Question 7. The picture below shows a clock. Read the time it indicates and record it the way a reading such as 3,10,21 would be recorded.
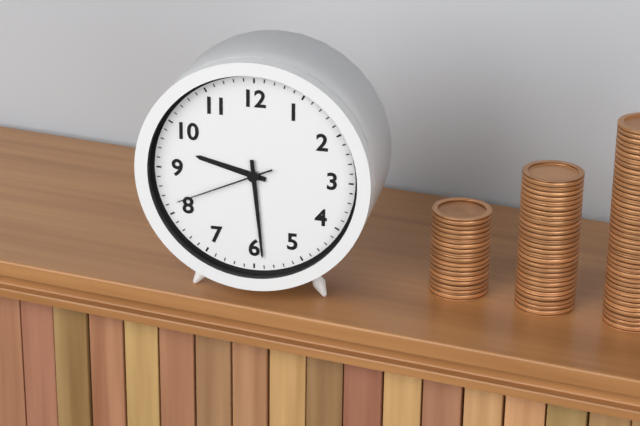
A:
9,29,41
